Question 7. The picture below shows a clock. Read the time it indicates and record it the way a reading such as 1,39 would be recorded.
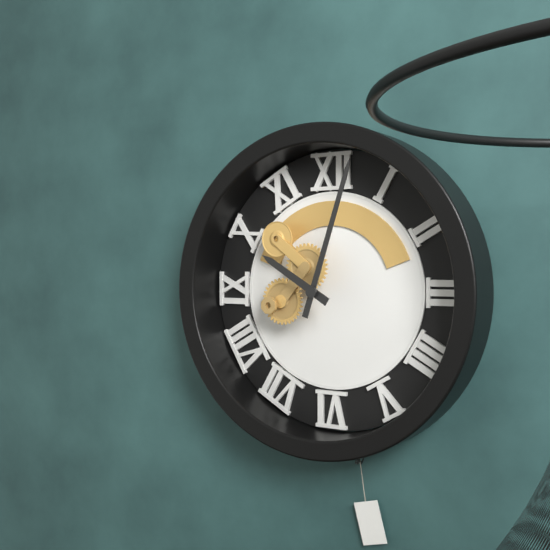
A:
10,03
